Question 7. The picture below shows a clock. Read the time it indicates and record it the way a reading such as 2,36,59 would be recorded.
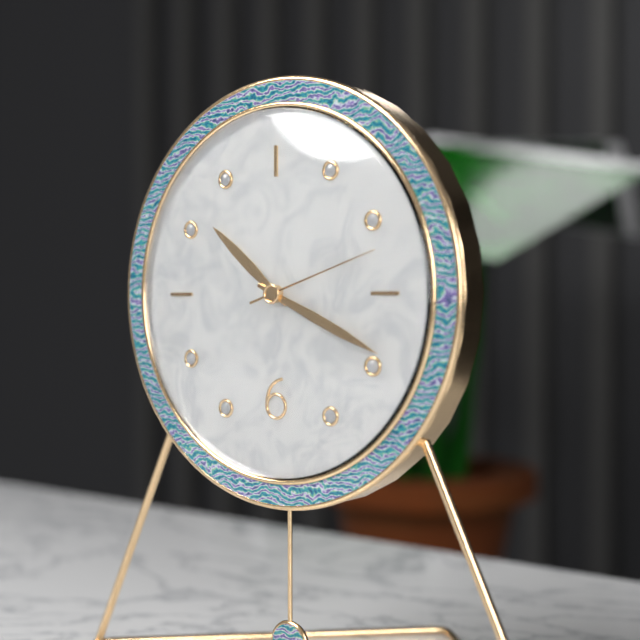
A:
10,19,12
